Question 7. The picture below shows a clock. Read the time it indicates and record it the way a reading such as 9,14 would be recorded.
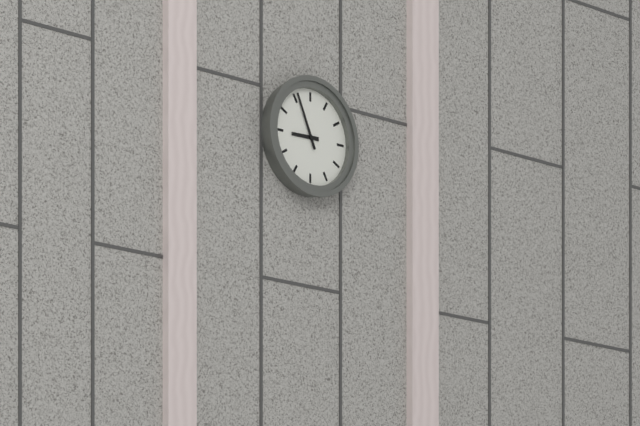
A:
8,56
